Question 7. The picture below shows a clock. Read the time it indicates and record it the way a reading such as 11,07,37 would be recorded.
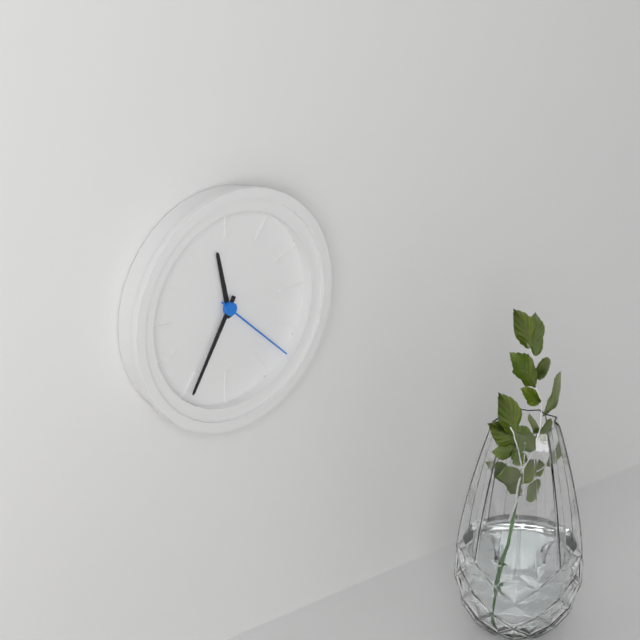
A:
11,35,22
